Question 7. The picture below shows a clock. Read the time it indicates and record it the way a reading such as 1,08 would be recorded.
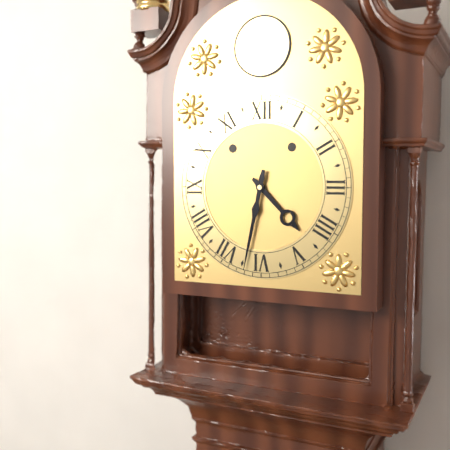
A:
4,32
